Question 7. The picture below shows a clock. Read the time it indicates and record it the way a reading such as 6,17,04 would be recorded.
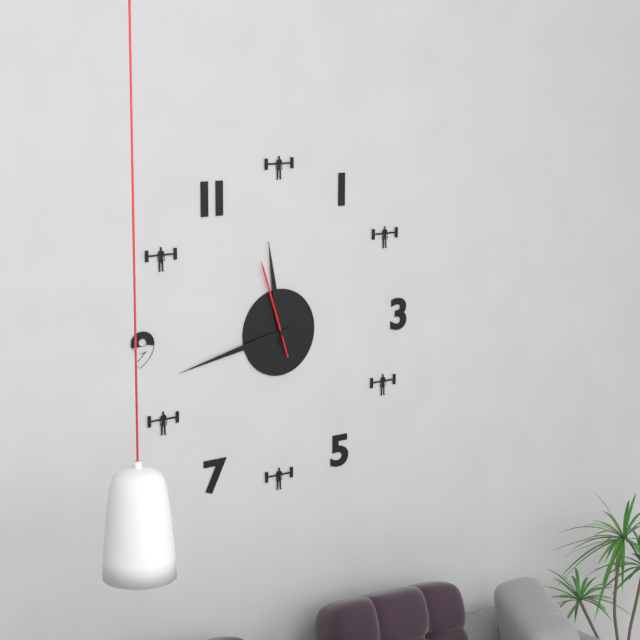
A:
11,43,57
